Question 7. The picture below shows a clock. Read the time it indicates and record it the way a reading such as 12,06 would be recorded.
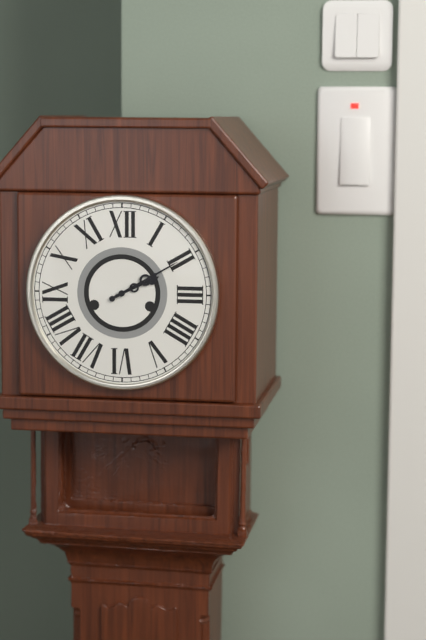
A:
2,10
